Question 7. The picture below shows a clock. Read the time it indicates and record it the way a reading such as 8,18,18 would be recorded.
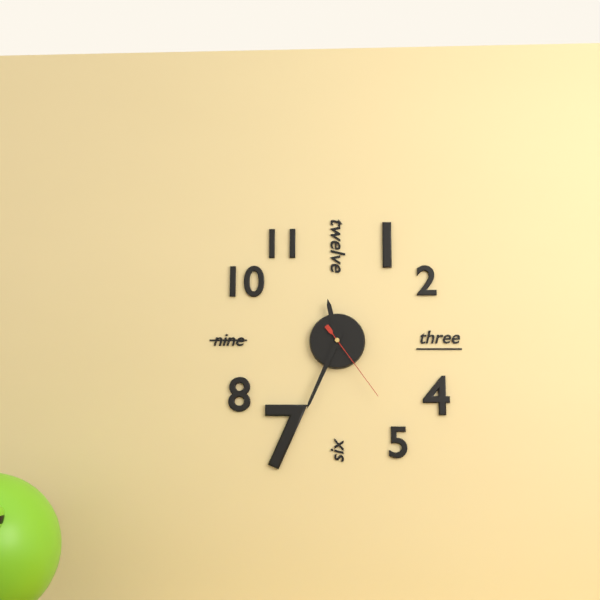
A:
11,34,24
